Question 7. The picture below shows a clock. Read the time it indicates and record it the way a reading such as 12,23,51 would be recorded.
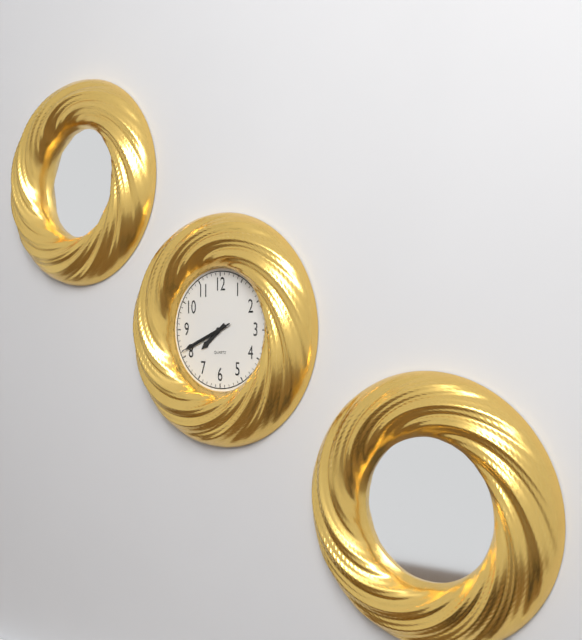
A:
7,41,41
